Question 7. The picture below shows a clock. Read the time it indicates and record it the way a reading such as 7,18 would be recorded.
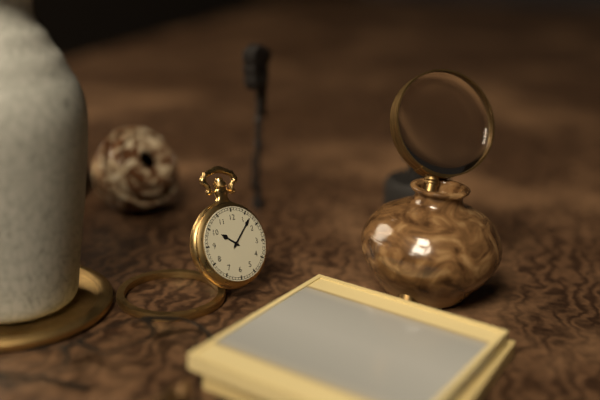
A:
10,07
